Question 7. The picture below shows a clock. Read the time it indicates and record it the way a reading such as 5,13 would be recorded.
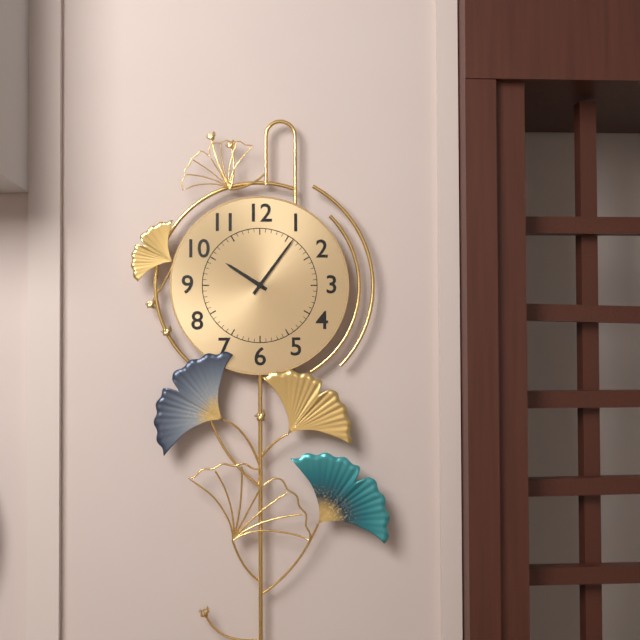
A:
10,06
